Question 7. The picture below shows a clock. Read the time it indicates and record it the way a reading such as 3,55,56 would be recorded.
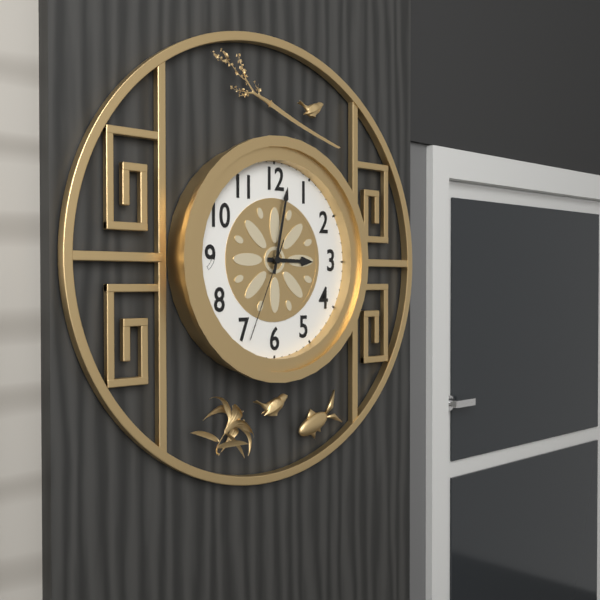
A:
3,02,34
